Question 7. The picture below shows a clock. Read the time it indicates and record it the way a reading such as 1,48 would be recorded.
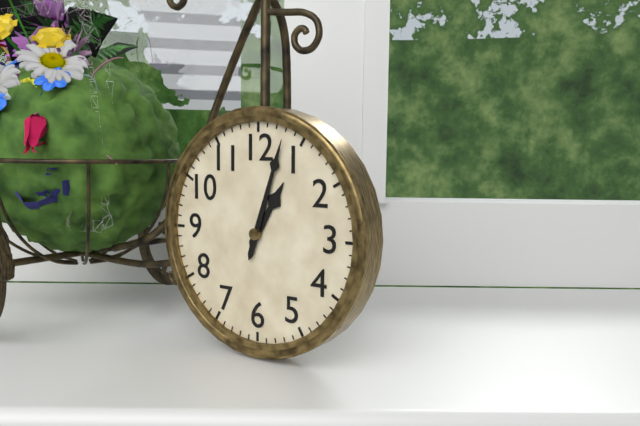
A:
1,03
